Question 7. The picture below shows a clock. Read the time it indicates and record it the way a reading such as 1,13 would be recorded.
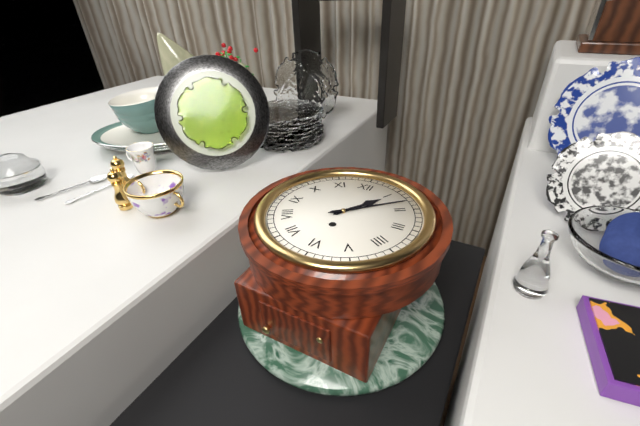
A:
1,08
